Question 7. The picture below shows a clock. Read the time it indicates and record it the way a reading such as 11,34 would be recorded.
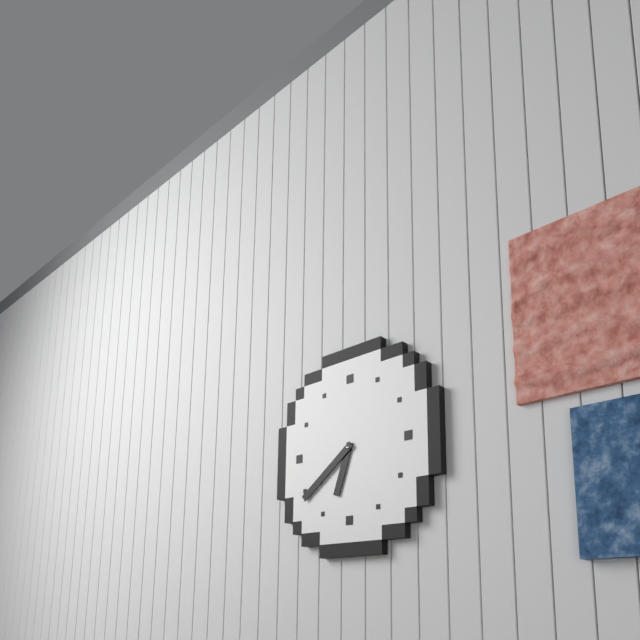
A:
6,39
